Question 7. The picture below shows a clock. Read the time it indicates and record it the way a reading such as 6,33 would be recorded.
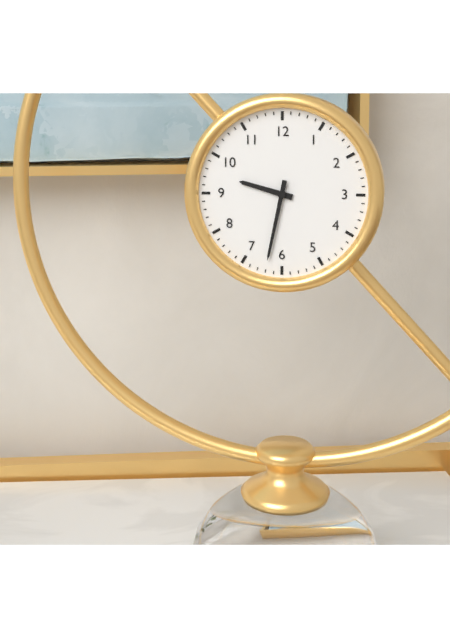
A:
9,32
